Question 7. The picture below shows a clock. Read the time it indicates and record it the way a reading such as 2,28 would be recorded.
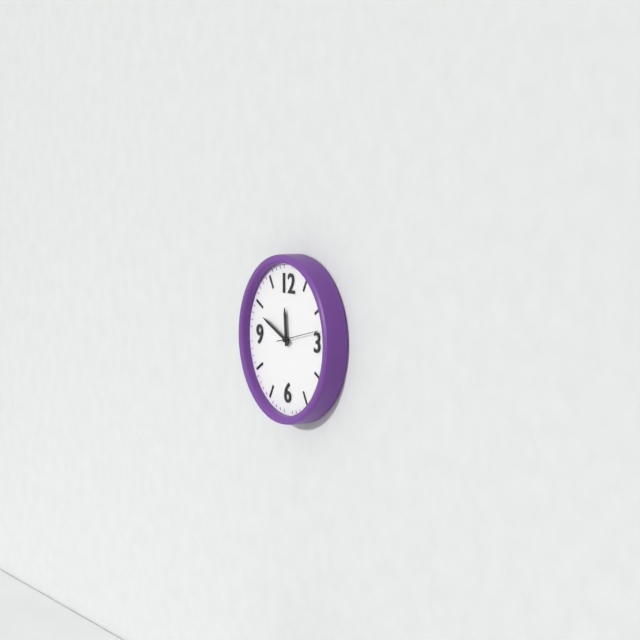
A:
11,49
